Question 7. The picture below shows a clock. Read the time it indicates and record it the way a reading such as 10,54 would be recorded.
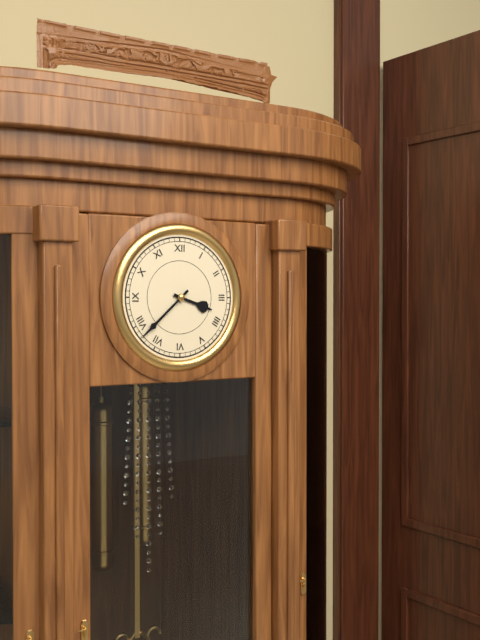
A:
3,38
